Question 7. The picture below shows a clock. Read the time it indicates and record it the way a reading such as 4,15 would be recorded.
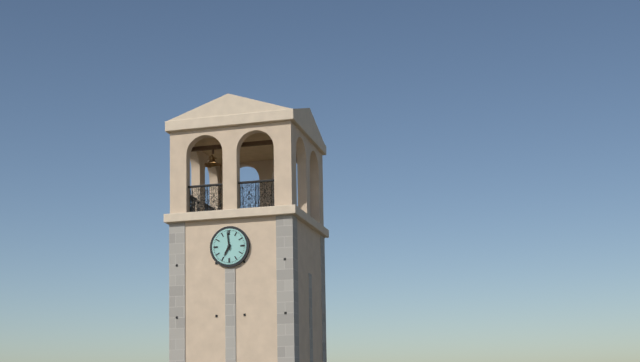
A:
6,59
